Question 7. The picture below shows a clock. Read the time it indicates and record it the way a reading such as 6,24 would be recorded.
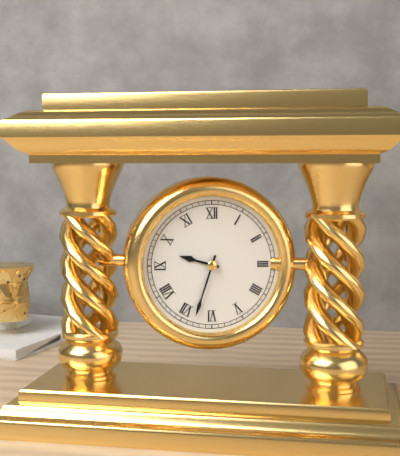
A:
9,33
